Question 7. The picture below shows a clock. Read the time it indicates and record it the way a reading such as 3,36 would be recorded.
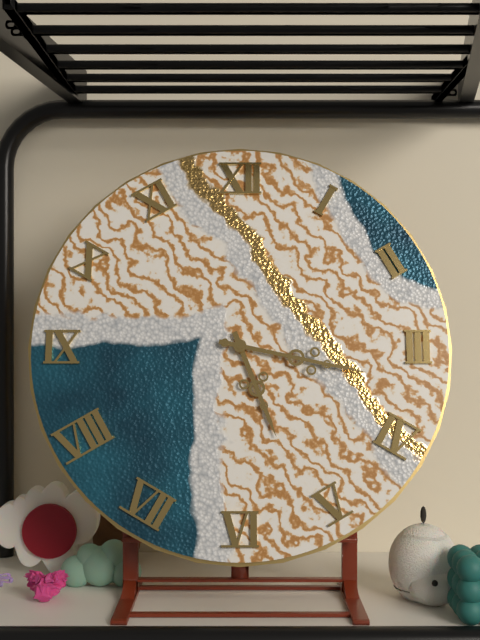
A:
5,17
